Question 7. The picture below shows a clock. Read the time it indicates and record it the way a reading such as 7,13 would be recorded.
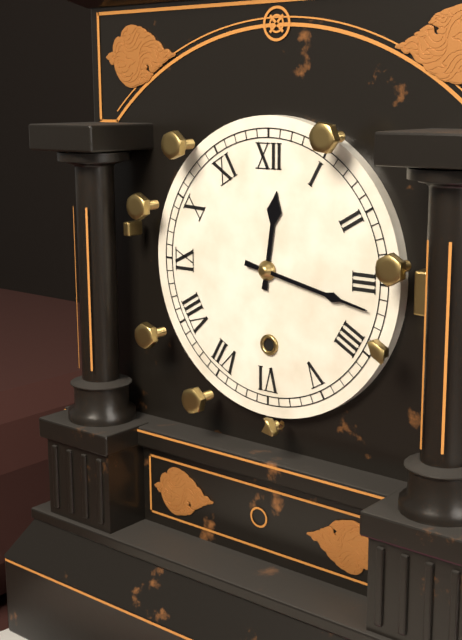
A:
12,17
